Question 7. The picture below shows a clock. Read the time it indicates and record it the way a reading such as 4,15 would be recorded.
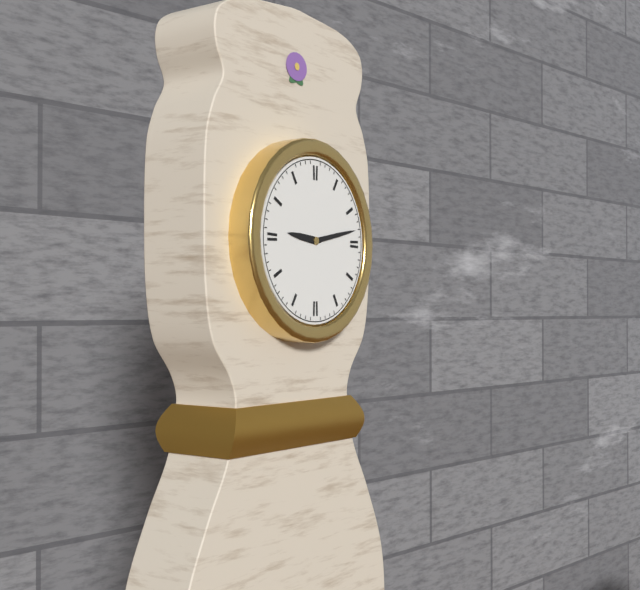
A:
9,13
